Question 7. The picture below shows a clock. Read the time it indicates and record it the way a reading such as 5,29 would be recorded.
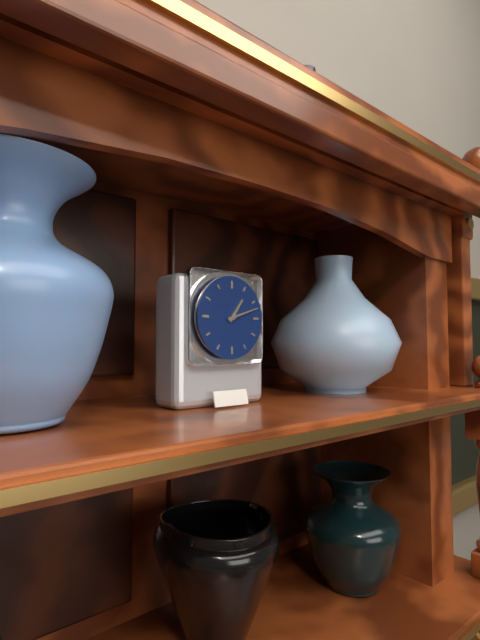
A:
1,12
